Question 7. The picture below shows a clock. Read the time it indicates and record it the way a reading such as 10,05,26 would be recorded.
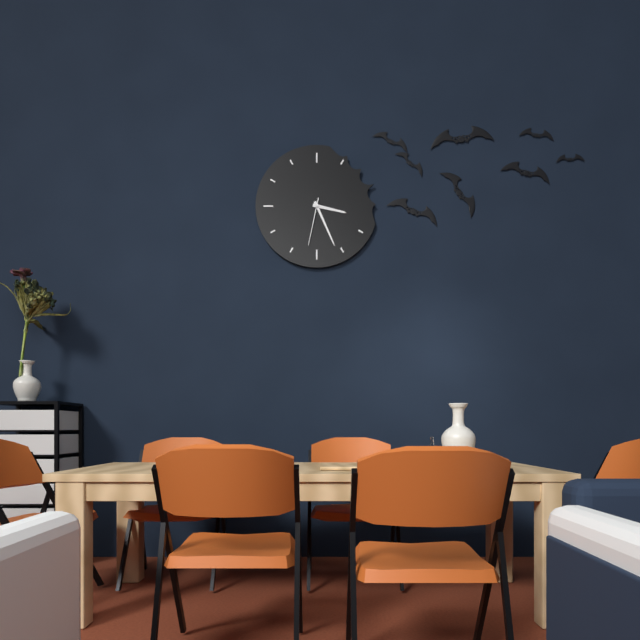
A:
3,26,32
